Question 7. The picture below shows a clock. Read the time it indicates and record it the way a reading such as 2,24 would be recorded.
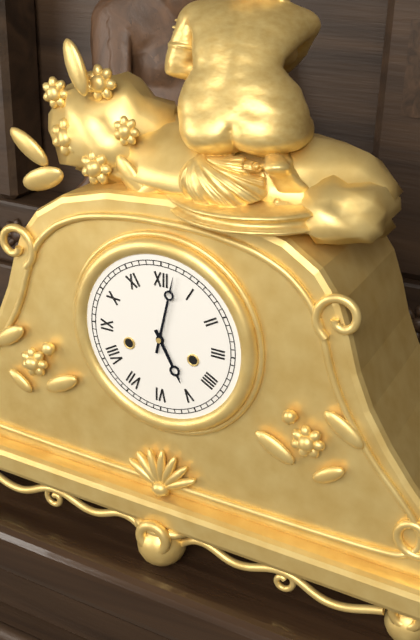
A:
5,02
